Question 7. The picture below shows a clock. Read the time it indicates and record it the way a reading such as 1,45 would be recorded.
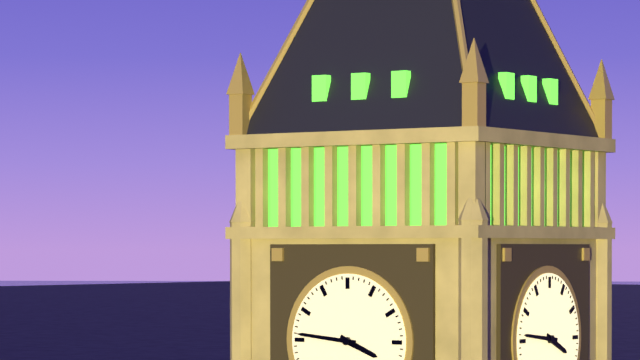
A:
3,46
